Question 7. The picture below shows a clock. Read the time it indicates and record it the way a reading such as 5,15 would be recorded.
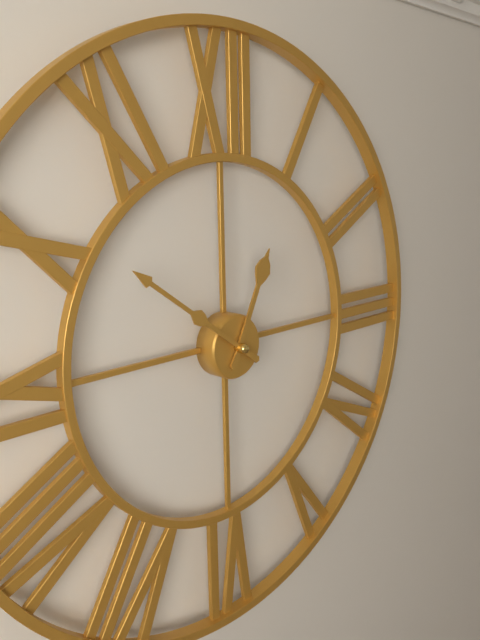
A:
12,51
